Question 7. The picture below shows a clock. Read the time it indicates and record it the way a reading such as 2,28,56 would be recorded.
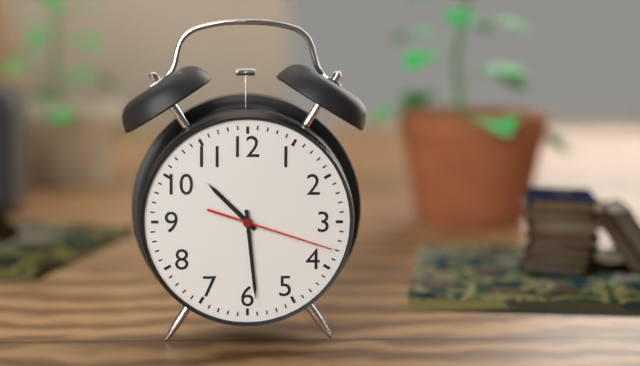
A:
10,29,18
